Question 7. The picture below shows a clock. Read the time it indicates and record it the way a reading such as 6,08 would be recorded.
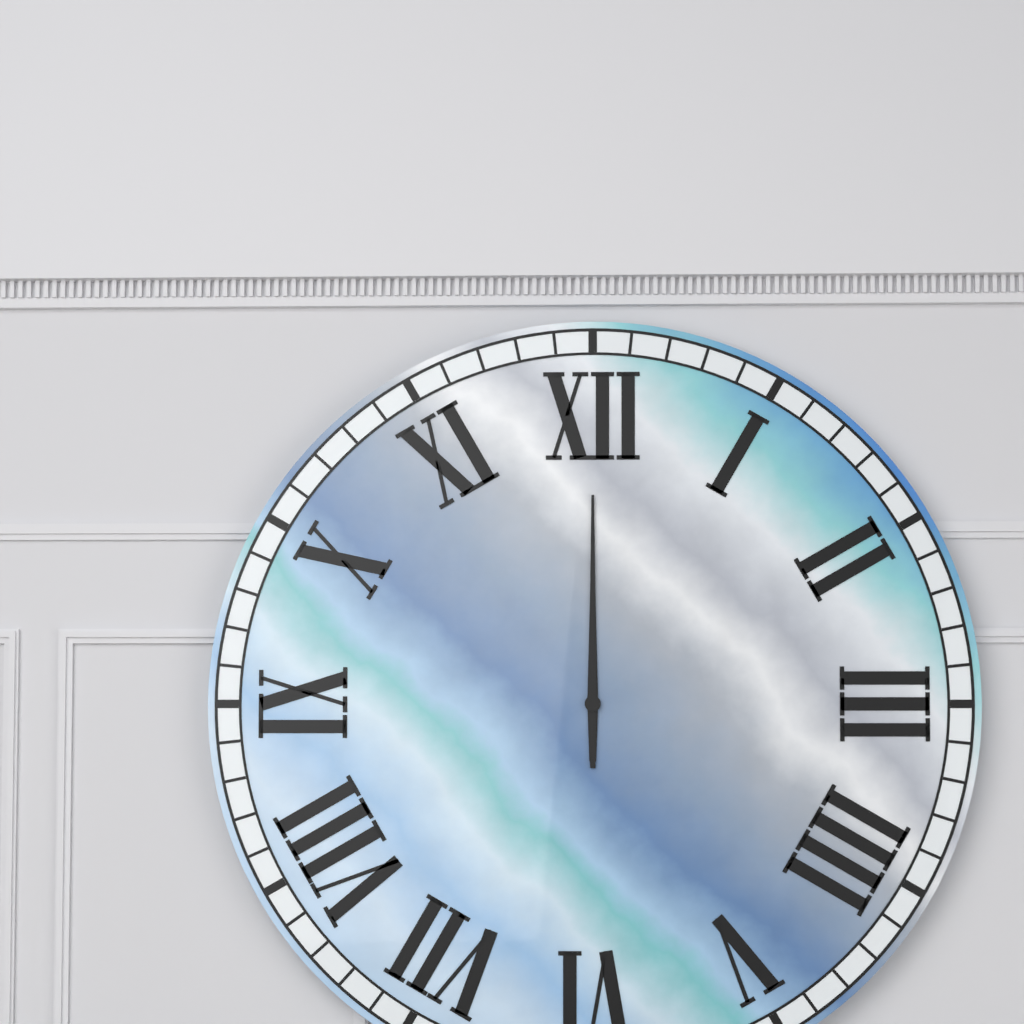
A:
12,00
